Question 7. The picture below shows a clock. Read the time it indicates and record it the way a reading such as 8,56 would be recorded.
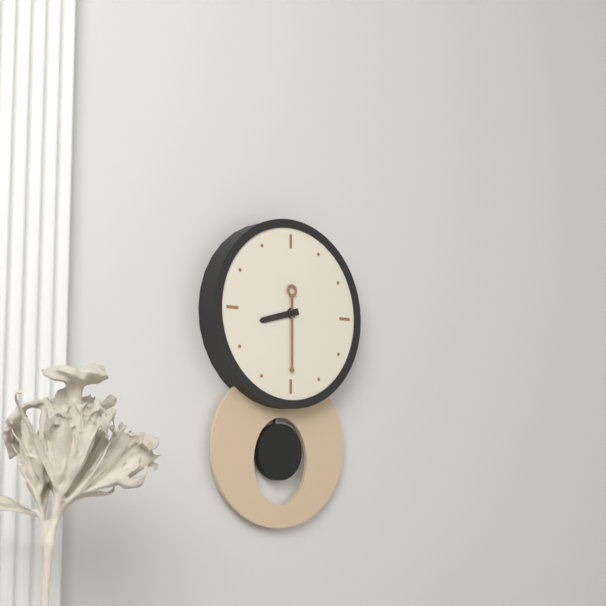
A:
8,30
